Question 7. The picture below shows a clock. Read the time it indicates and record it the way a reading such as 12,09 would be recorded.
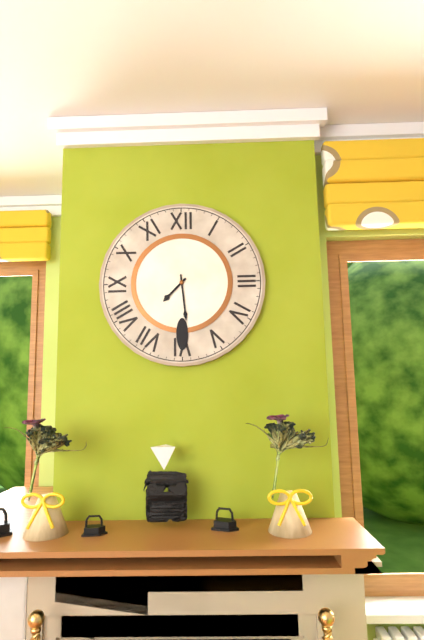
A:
7,29
